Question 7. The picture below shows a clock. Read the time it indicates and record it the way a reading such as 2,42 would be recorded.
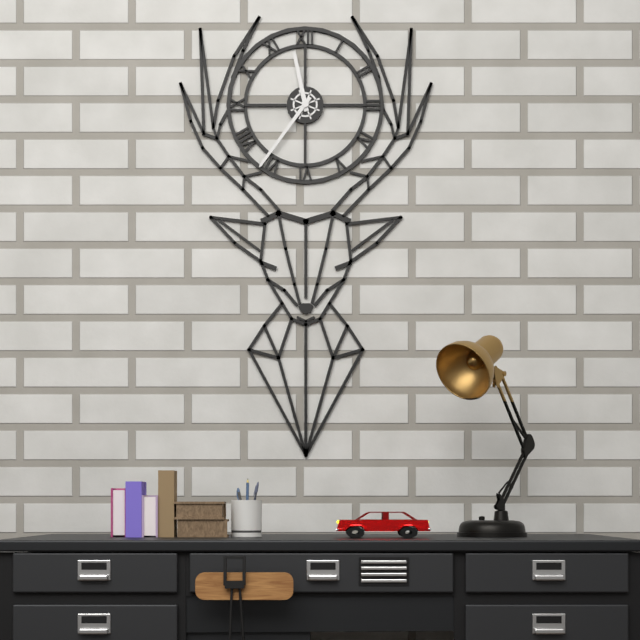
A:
11,36
